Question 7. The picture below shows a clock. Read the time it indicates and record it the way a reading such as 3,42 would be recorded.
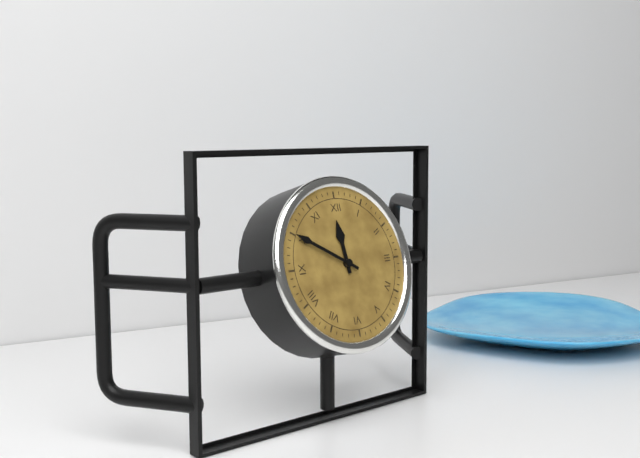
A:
11,50
